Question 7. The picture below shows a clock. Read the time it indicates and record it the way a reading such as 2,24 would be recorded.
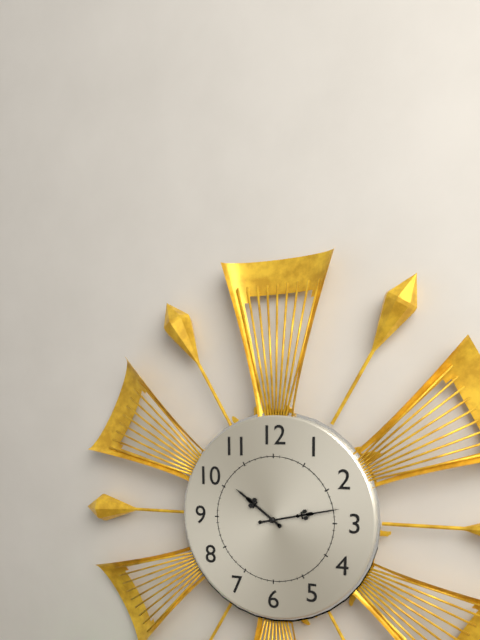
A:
10,13
